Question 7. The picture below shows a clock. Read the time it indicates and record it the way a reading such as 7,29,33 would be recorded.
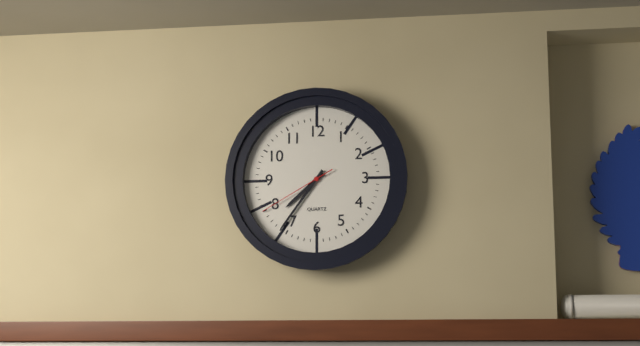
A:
7,36,40
